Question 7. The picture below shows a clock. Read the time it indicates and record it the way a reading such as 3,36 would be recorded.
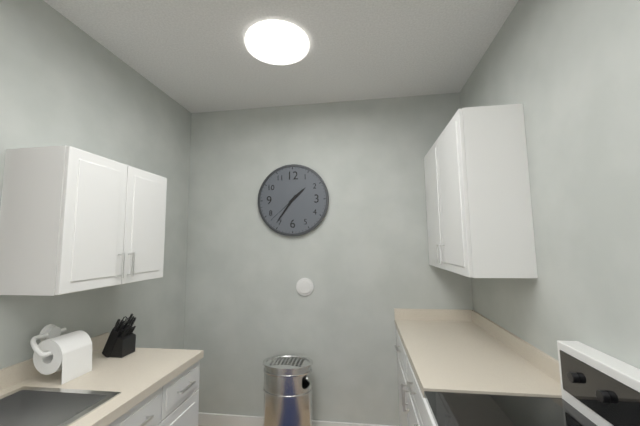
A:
1,36
